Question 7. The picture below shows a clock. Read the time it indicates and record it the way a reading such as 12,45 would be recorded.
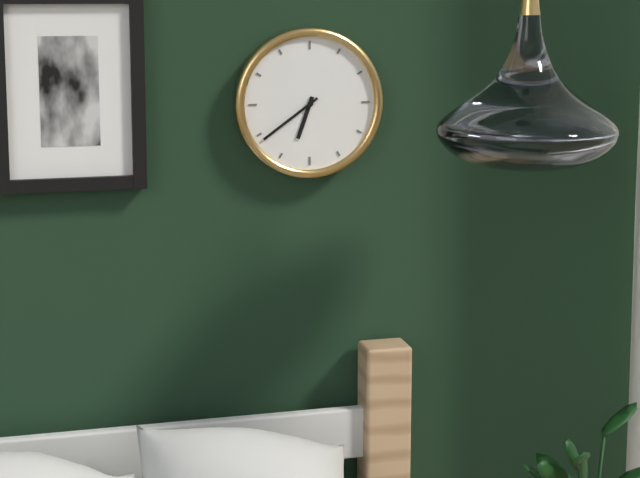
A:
6,39
